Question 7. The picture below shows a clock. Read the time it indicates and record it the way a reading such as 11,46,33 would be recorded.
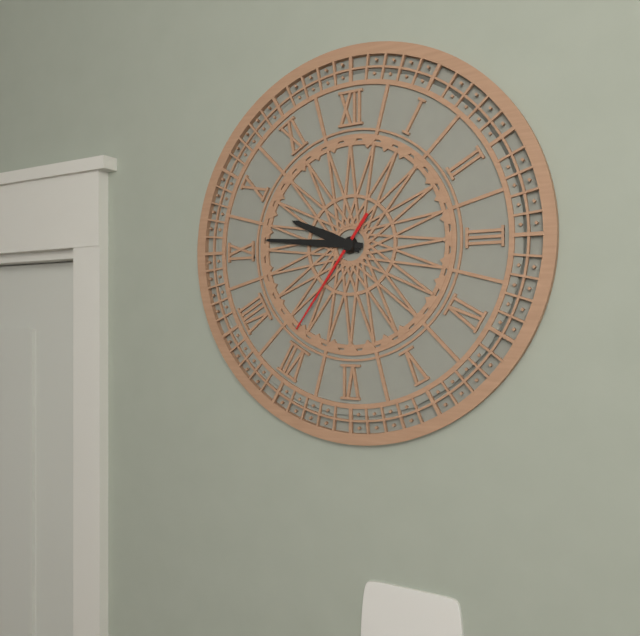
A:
9,46,36
